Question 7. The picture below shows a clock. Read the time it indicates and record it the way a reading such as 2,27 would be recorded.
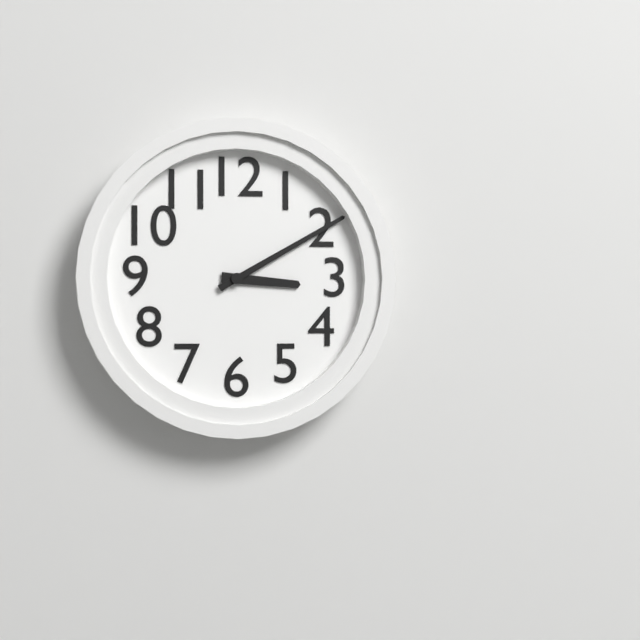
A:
3,10
